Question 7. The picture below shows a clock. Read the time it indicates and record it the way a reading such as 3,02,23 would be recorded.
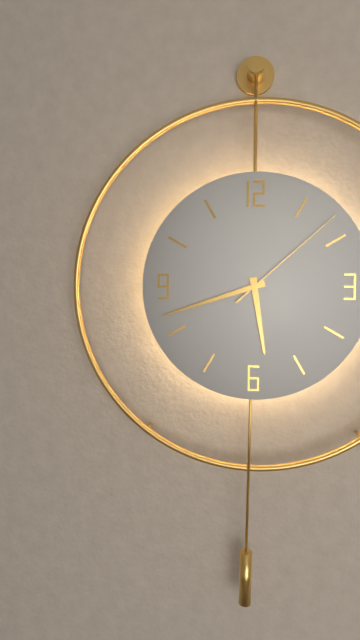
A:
5,42,08
